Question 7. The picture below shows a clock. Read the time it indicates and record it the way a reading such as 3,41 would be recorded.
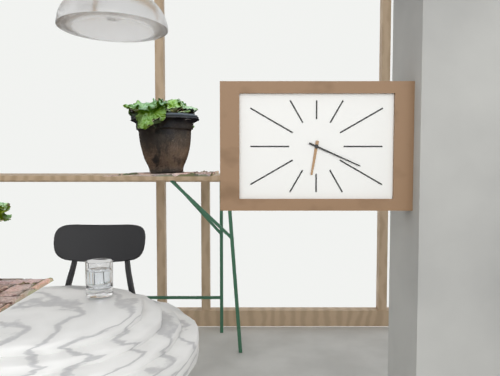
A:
6,19
